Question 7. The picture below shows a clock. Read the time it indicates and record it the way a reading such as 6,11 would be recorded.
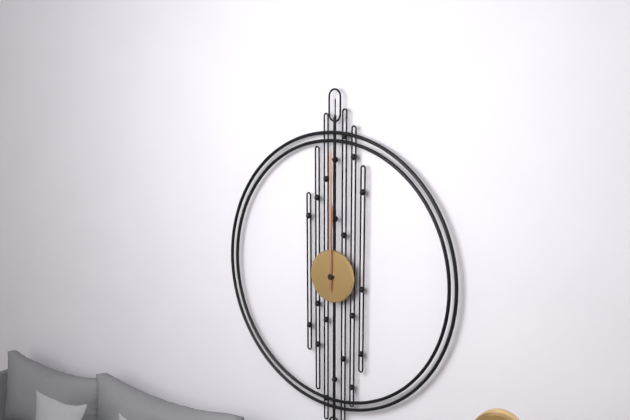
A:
12,00
